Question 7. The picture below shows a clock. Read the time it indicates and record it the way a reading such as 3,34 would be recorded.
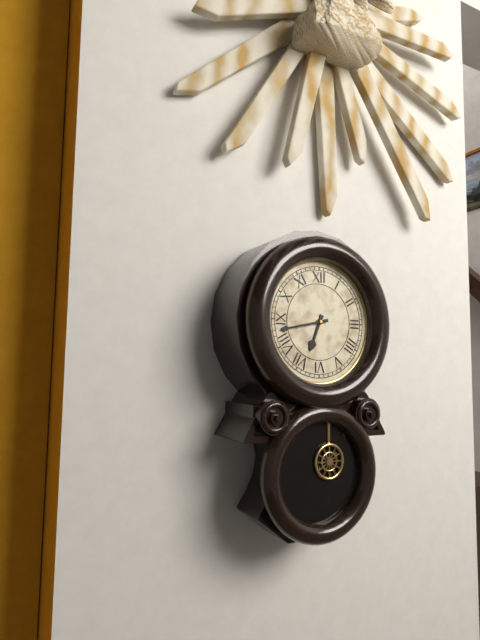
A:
6,43
